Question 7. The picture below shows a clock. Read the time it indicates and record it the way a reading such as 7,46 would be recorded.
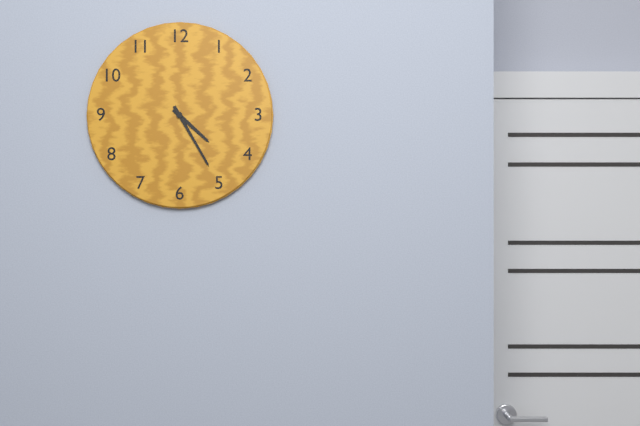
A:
4,25
